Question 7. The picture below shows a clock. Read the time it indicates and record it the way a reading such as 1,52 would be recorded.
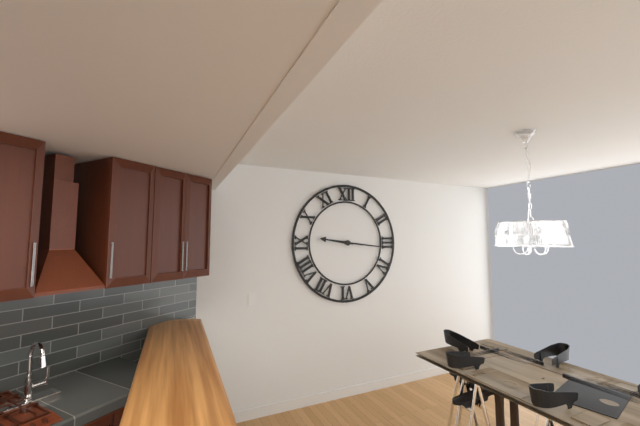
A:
9,16
